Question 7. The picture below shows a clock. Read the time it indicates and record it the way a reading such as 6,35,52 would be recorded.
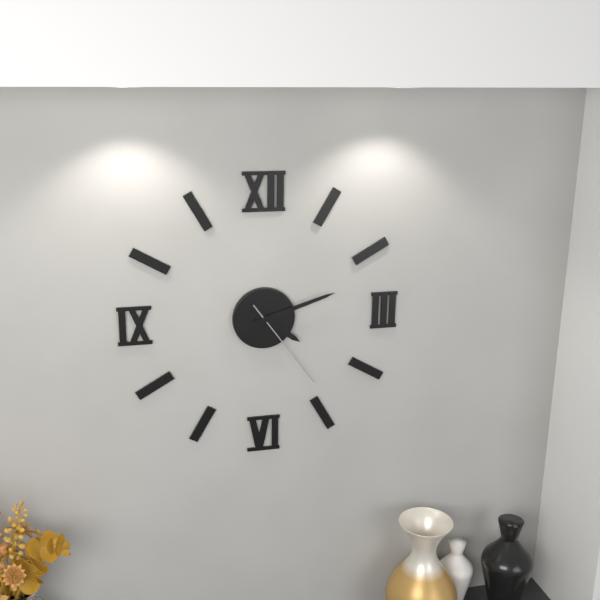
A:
4,12,24
